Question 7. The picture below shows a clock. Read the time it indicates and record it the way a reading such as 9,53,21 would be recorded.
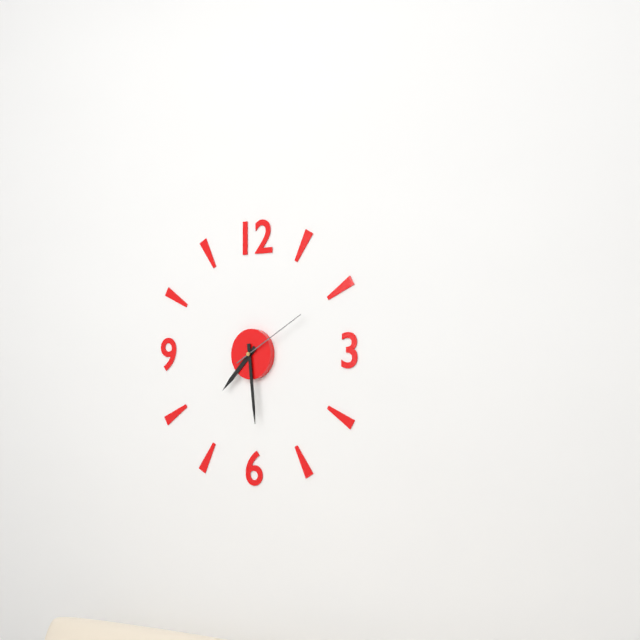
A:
7,29,10
